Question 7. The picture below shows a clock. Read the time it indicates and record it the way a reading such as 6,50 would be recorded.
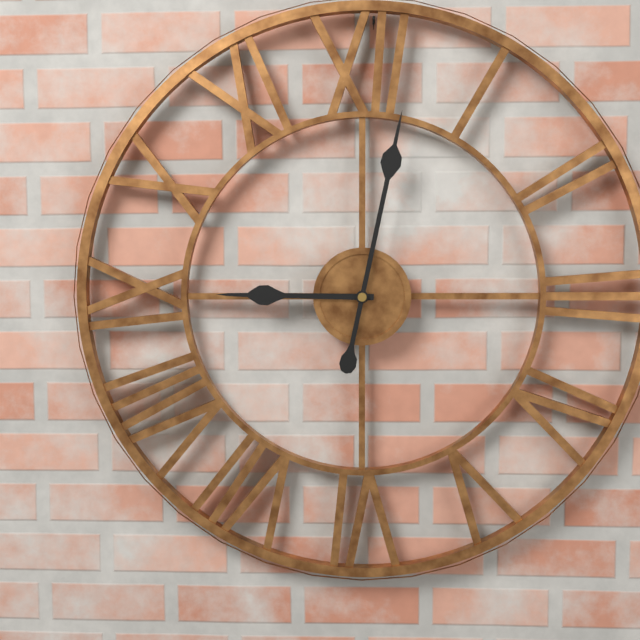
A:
9,02
